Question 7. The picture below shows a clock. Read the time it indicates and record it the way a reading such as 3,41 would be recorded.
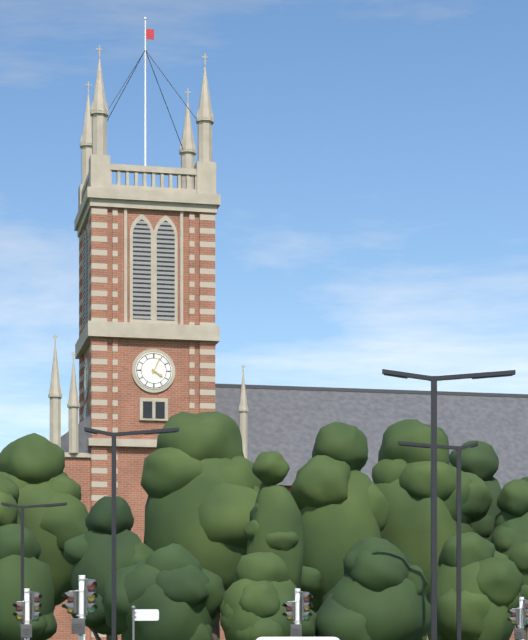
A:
4,04
